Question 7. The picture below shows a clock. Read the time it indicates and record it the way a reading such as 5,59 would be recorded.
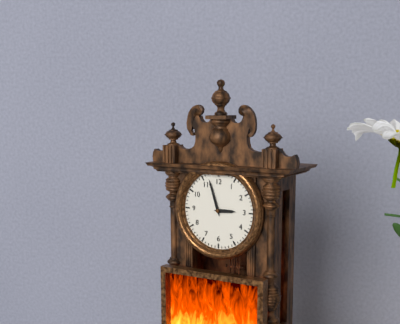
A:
2,57
